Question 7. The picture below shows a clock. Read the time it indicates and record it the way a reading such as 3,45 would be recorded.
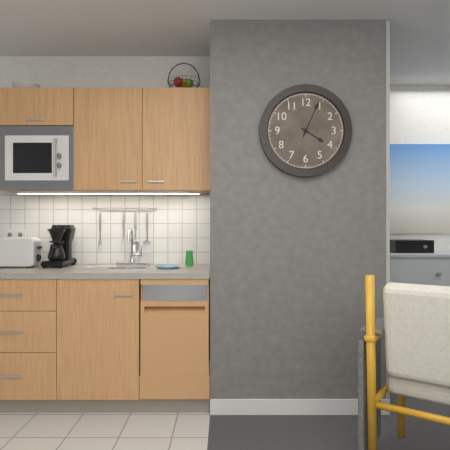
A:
4,04
